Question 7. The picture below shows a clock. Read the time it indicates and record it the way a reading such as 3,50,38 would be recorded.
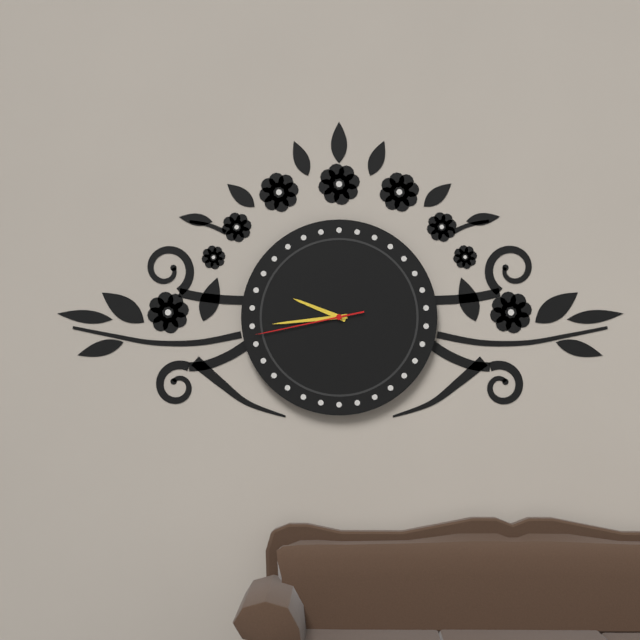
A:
9,44,43
